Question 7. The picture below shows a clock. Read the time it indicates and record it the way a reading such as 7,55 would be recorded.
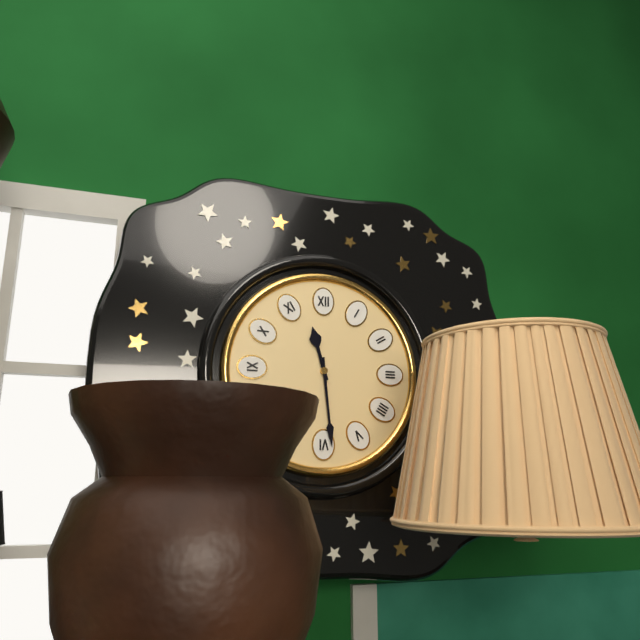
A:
11,29
